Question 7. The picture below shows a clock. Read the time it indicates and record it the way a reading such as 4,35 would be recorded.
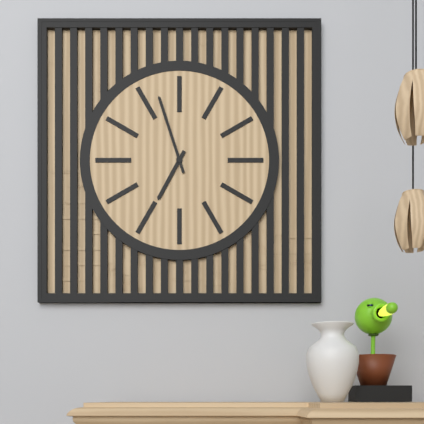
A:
6,57
